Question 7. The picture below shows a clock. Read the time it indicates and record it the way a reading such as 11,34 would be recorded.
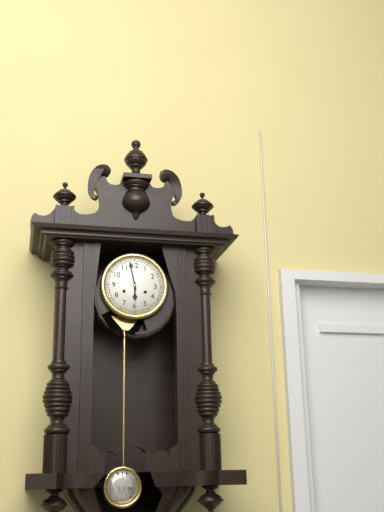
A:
5,58
